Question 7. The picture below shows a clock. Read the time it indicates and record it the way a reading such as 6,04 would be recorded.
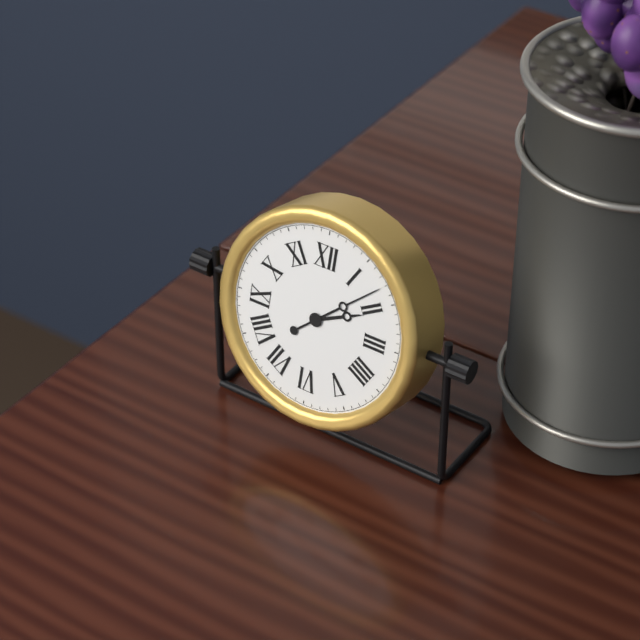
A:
2,08
